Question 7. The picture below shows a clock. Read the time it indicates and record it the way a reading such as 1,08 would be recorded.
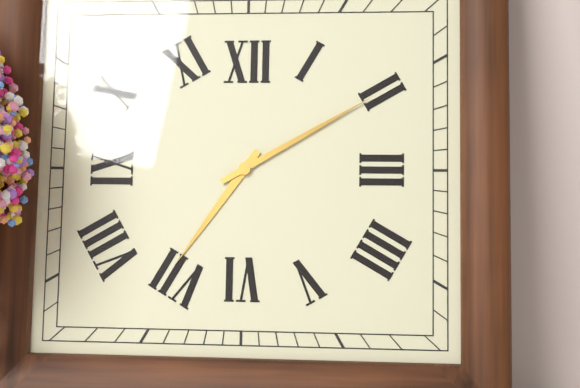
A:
7,10
